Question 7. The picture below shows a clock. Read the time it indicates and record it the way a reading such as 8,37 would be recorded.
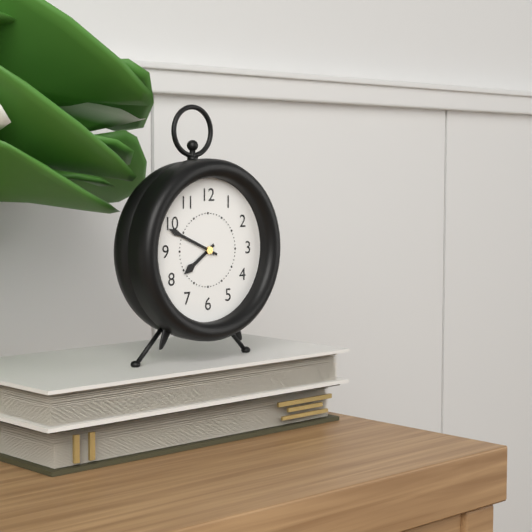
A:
7,49
